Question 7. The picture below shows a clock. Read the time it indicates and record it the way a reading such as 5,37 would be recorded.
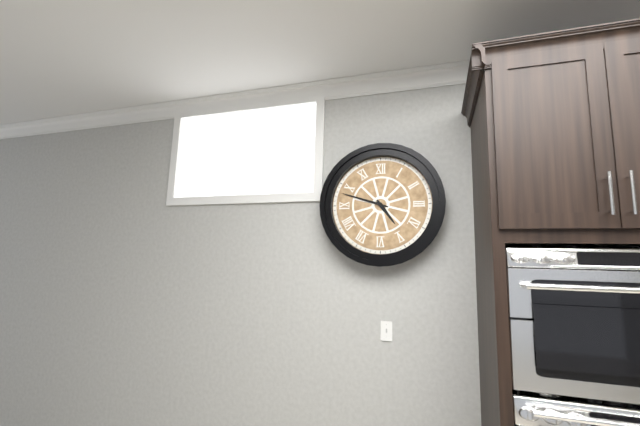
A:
4,48
